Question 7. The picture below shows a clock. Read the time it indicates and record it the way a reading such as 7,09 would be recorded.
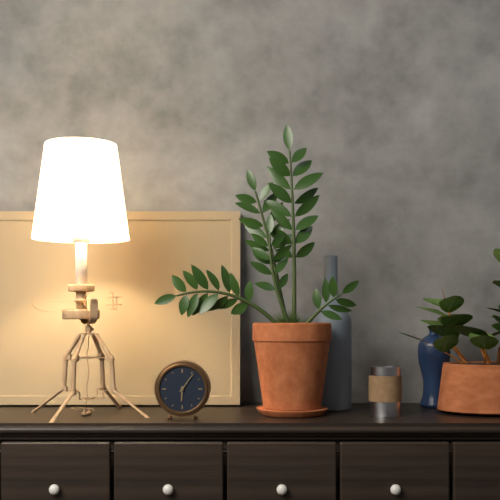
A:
6,06
